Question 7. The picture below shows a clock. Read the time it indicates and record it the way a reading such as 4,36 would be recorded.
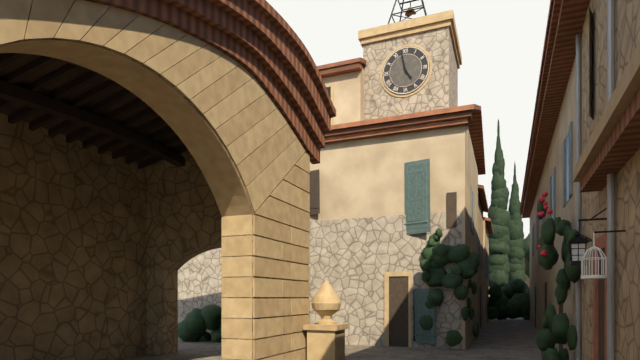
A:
4,58
